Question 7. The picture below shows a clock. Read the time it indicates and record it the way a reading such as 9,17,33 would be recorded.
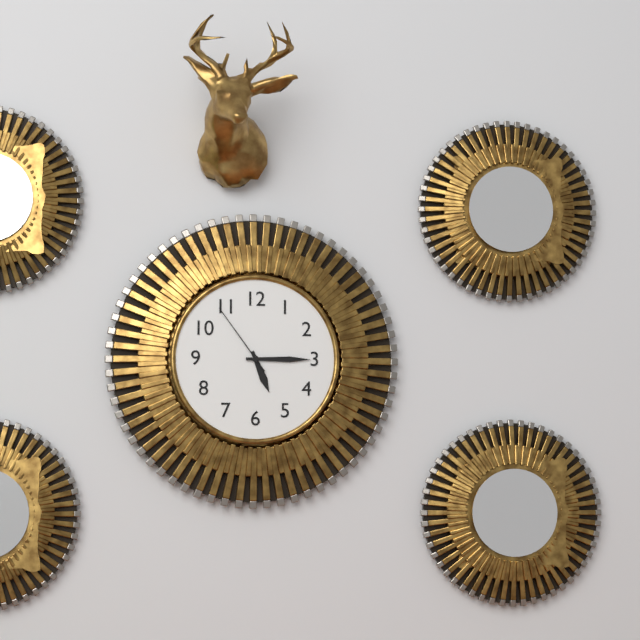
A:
5,15,54
